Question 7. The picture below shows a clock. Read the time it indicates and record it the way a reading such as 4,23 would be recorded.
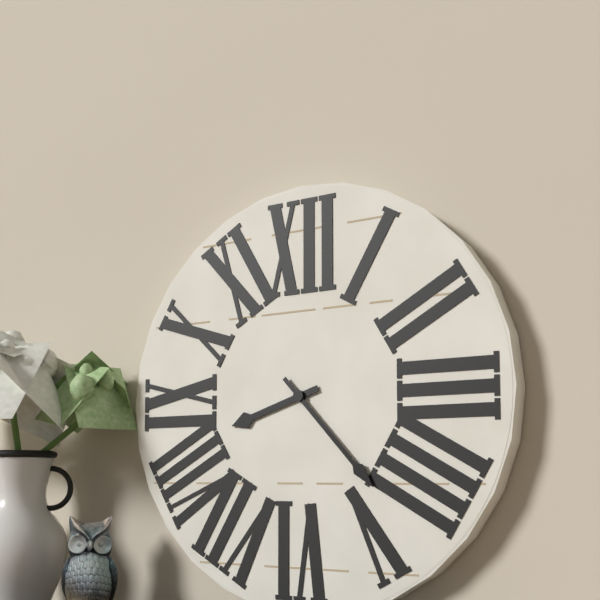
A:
8,23
